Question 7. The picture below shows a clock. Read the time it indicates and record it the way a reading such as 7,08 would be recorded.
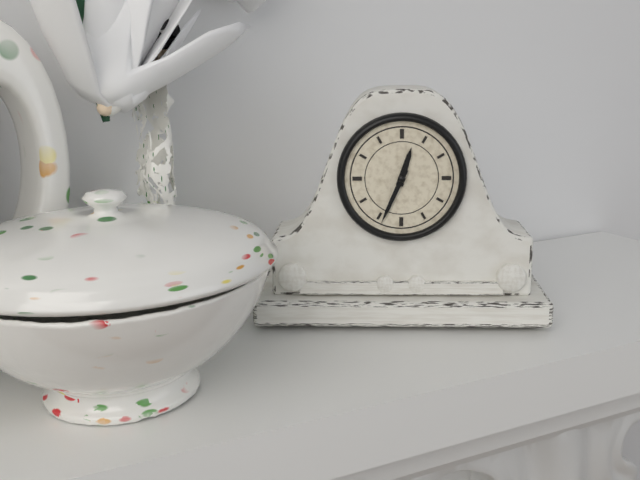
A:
12,34
